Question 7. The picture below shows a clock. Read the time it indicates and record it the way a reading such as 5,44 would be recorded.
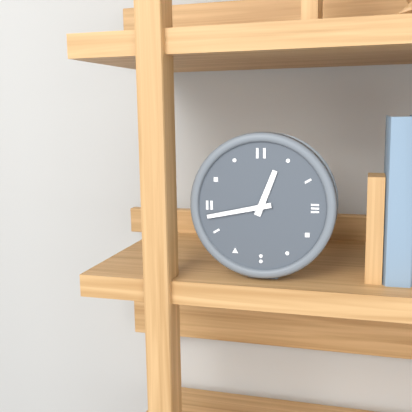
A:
12,43
